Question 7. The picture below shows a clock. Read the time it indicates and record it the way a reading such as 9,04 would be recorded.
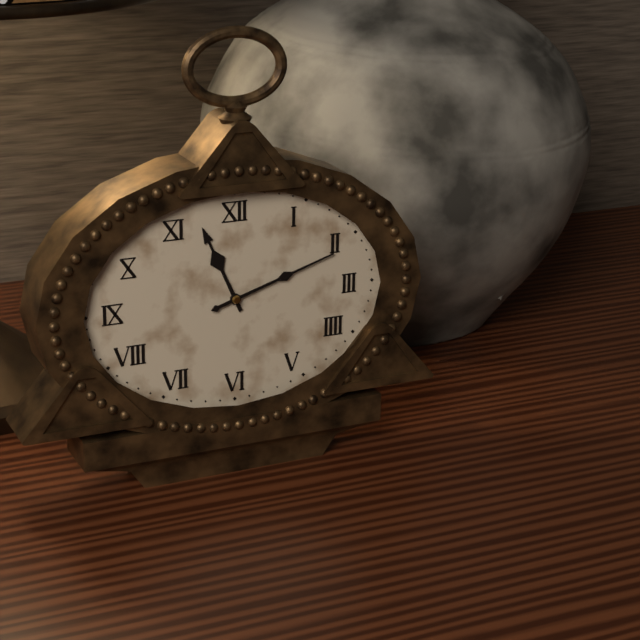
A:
11,12
